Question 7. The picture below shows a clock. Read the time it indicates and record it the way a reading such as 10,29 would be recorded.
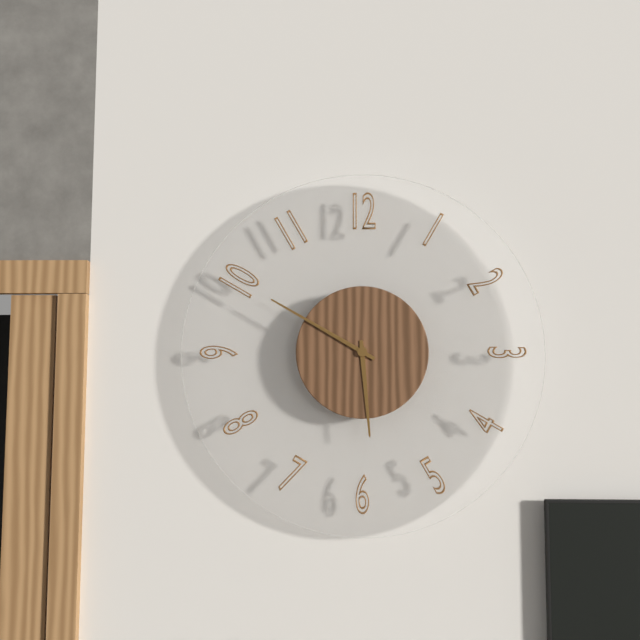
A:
5,50
